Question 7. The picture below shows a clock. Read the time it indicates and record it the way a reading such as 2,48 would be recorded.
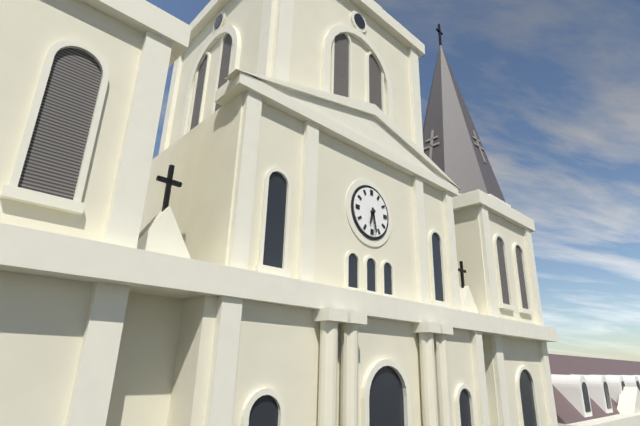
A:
6,28
